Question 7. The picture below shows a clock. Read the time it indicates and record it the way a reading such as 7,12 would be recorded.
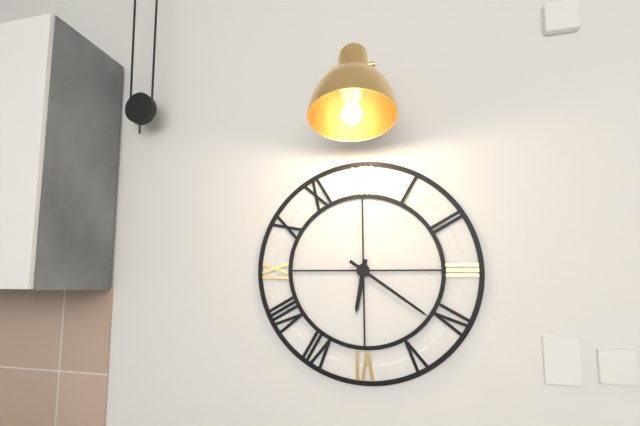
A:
6,21
